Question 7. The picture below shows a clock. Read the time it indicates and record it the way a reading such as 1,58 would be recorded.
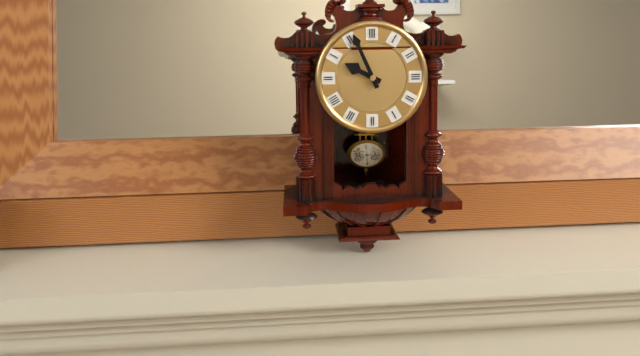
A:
9,56
